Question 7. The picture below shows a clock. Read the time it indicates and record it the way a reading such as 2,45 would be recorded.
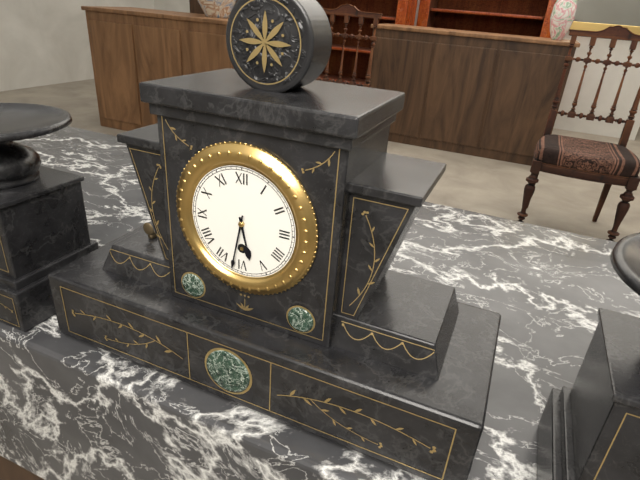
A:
5,32
